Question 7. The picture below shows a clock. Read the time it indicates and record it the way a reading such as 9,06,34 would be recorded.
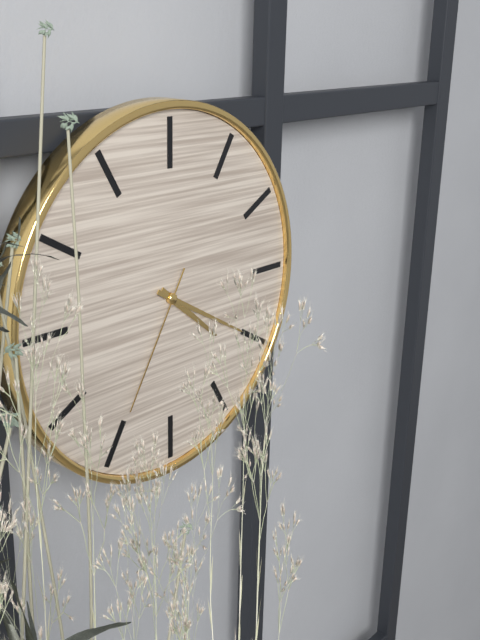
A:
4,20,35
